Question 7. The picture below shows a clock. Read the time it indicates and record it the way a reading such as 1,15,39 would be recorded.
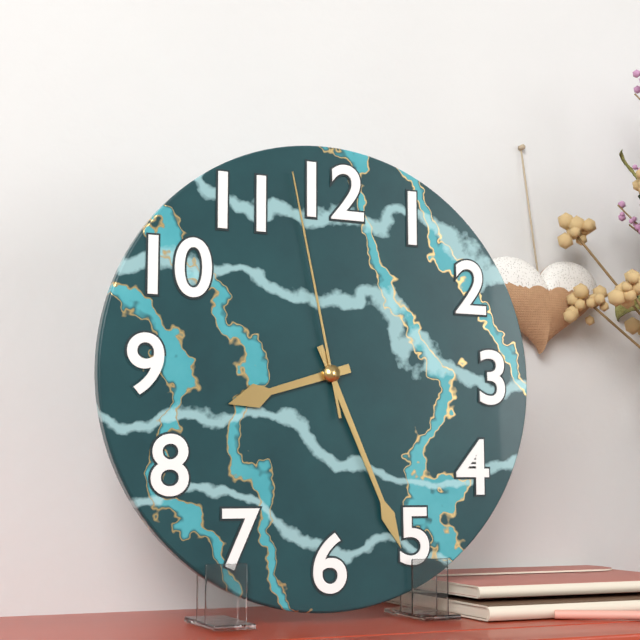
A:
8,26,58
